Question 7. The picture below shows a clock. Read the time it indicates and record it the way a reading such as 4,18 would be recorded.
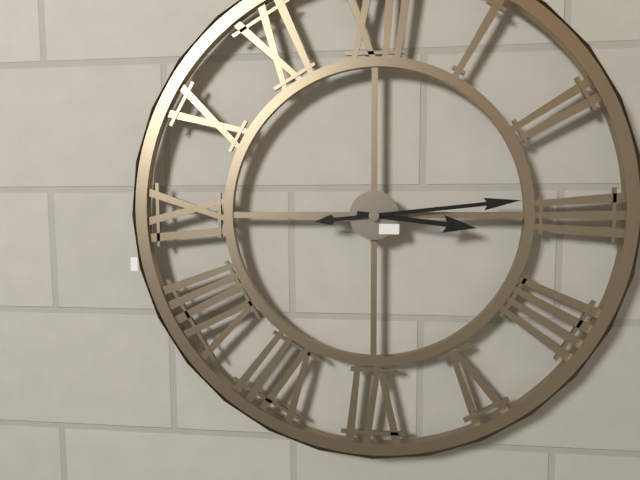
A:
3,14
